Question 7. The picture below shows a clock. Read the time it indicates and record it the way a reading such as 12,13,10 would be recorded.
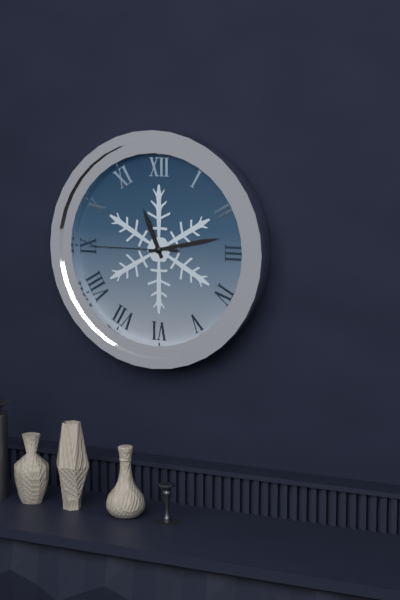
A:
11,13,45
